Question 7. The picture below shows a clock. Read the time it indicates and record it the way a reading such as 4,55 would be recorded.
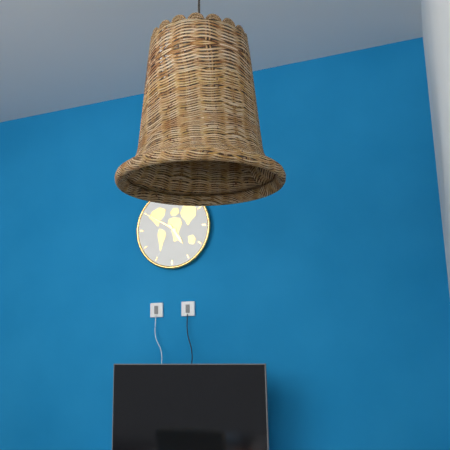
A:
4,50
